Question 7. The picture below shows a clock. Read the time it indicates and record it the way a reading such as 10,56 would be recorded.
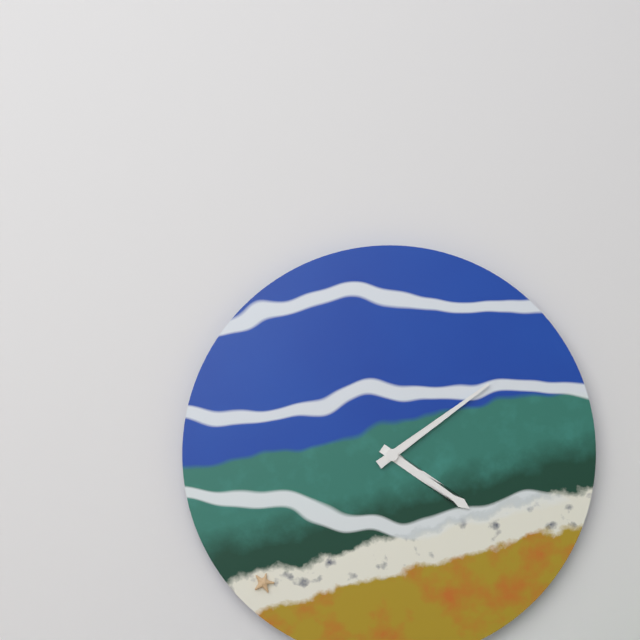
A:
4,09
